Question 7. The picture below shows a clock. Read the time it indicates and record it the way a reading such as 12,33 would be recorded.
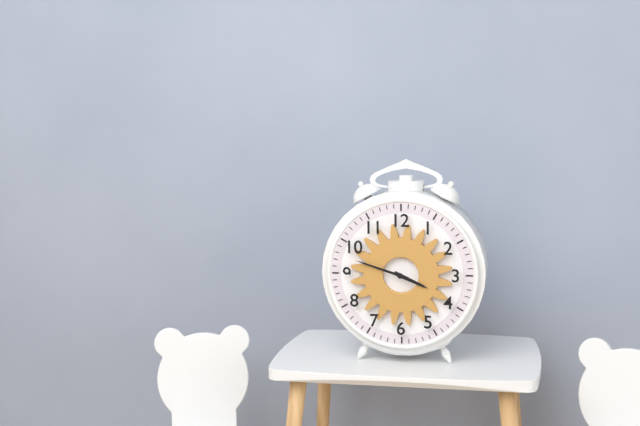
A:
3,48
